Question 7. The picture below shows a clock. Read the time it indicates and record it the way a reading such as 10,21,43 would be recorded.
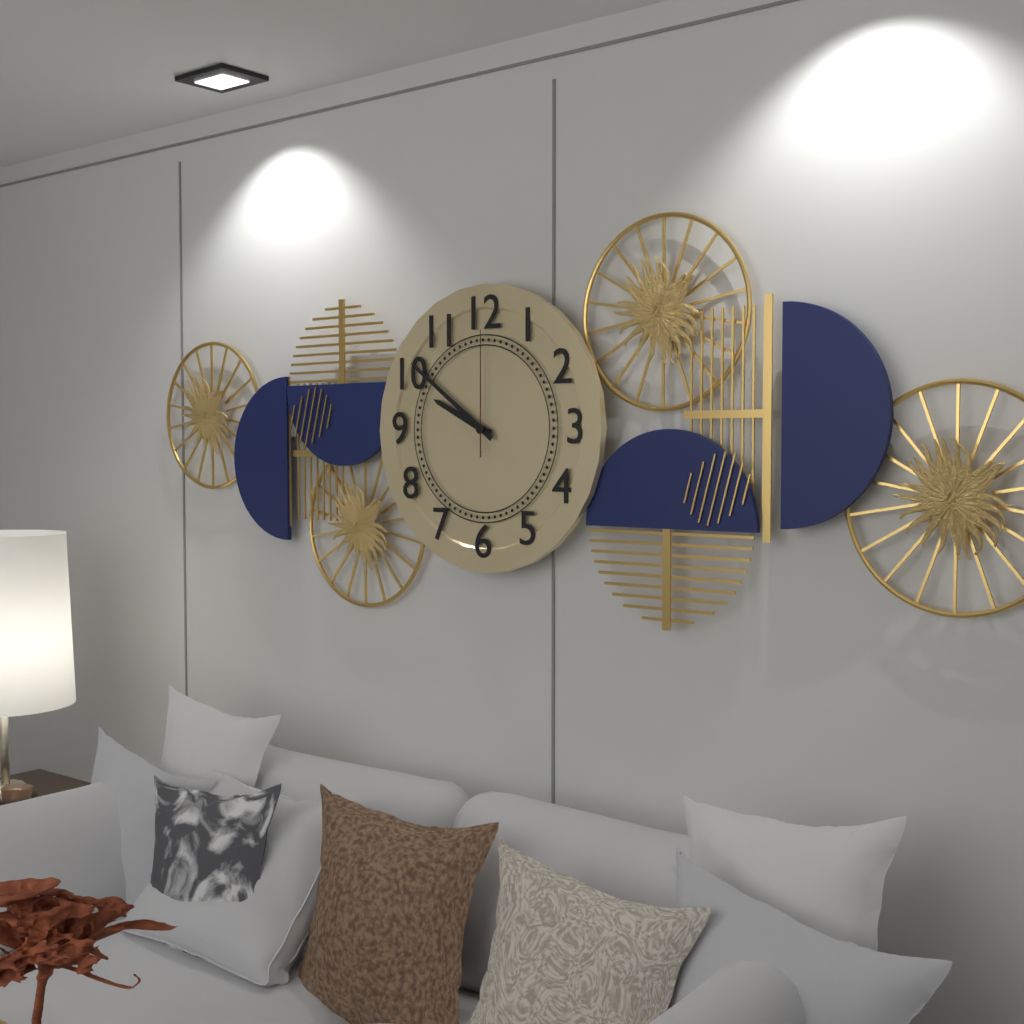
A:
9,51,00
